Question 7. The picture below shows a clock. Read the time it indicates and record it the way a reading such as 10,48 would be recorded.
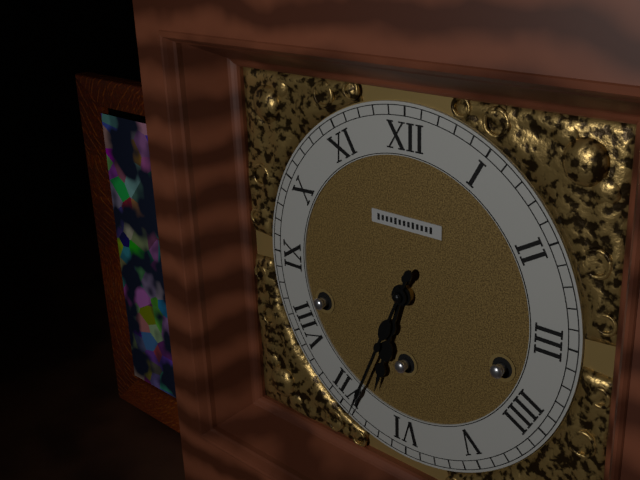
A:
6,34
